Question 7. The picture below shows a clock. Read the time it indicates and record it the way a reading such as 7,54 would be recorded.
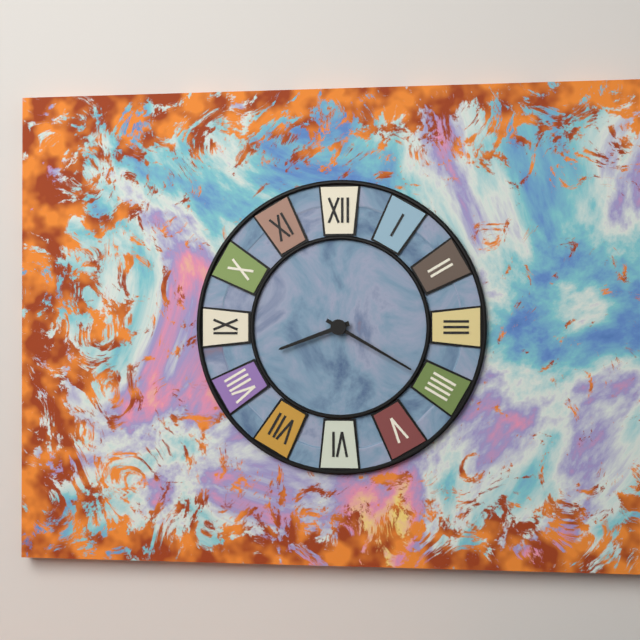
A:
8,20
